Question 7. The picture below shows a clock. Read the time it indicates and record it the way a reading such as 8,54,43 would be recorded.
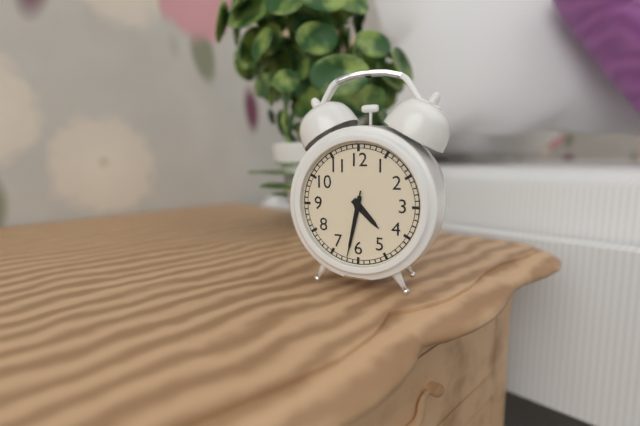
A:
4,32,32
